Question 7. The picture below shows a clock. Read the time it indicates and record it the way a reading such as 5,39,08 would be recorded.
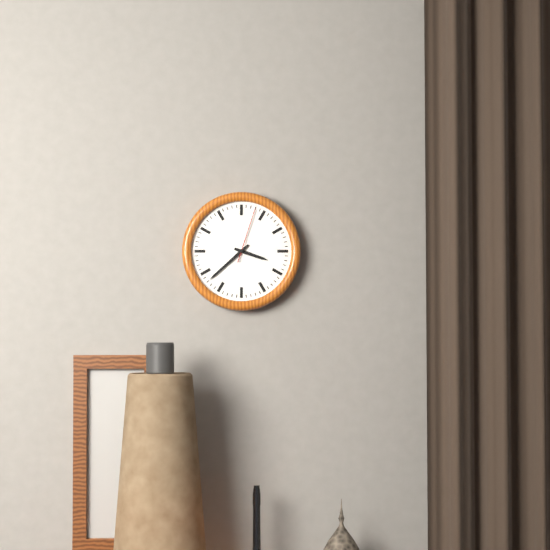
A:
3,38,03
